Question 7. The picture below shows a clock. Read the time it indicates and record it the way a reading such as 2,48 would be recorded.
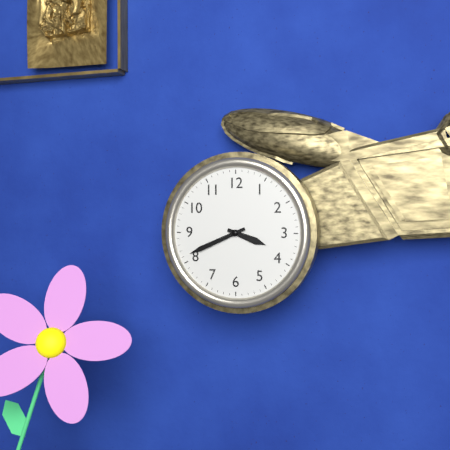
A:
3,41
